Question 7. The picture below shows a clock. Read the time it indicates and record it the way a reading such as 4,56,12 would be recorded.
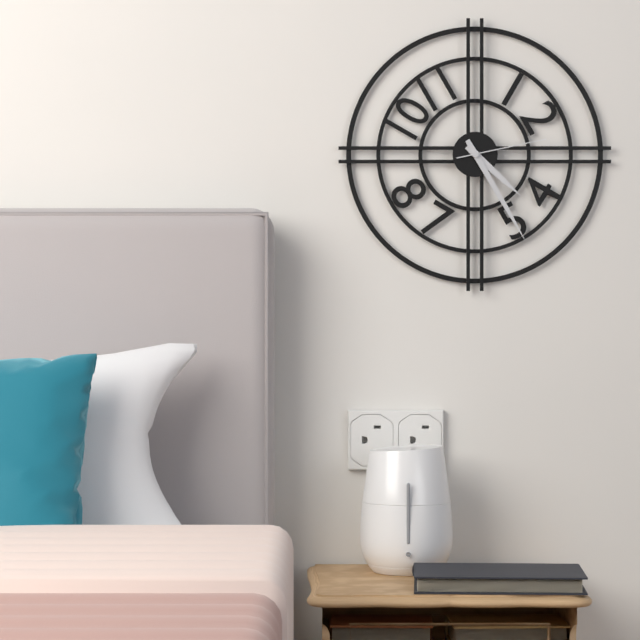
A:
4,25,13
